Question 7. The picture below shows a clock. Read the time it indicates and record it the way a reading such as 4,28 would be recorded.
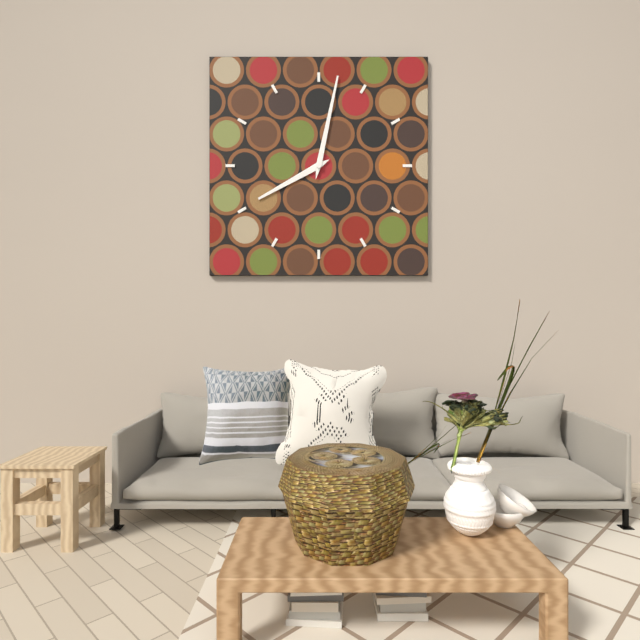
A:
8,02
